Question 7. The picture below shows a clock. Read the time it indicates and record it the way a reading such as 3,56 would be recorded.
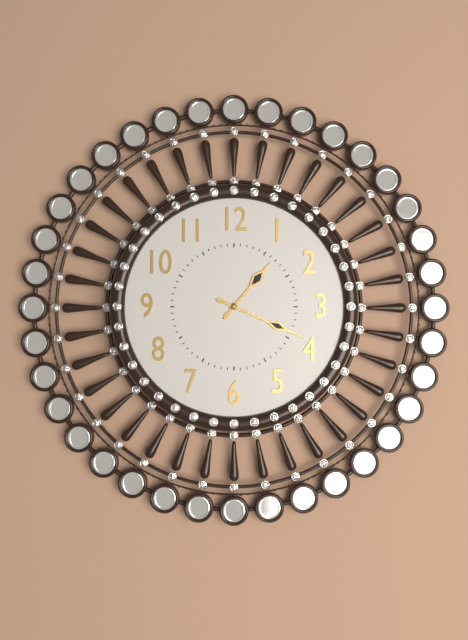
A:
1,19
